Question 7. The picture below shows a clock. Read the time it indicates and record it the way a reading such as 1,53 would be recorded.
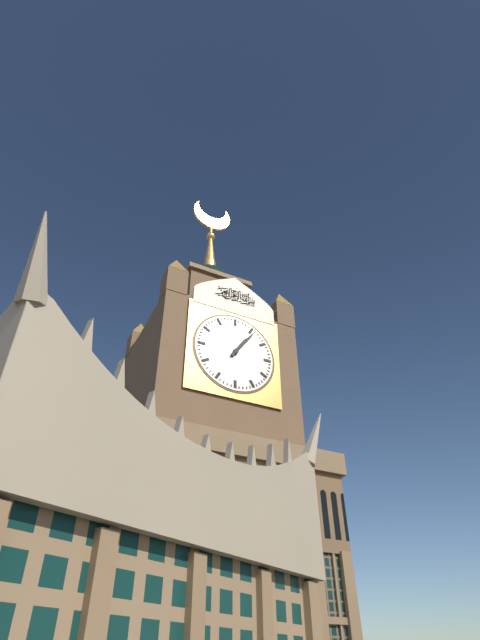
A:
1,06
